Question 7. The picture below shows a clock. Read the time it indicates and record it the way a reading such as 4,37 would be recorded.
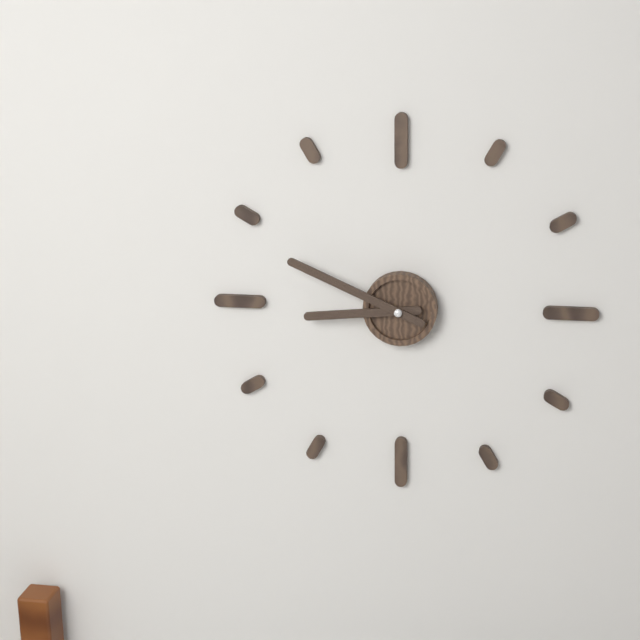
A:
8,49
